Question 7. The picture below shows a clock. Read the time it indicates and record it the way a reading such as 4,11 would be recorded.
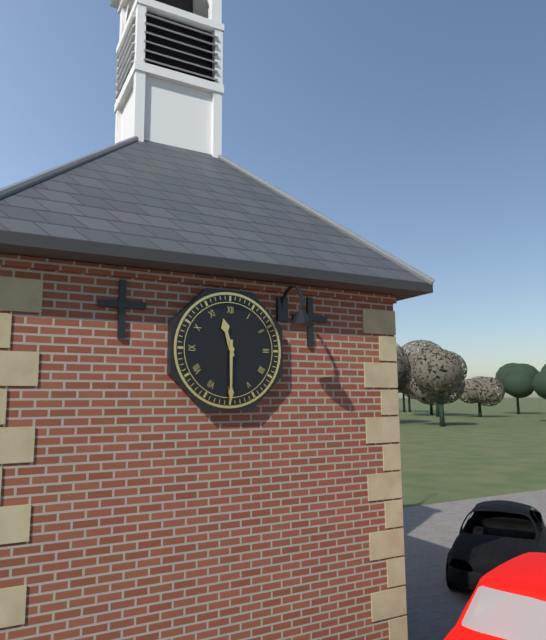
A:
11,30
